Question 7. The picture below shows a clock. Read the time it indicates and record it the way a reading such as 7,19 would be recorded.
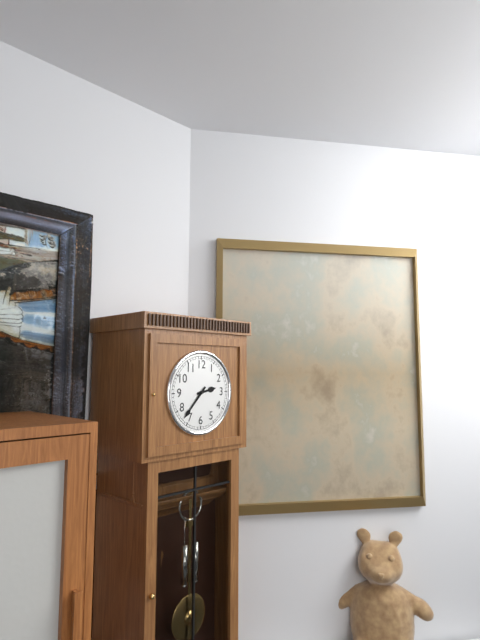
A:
2,37
